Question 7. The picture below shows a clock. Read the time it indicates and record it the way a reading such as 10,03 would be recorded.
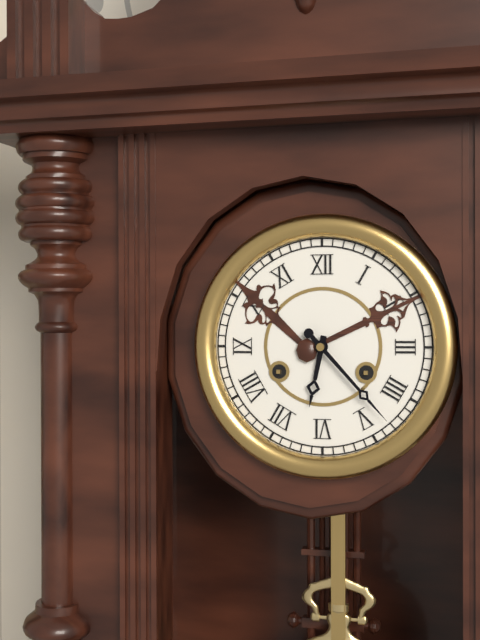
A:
6,23
